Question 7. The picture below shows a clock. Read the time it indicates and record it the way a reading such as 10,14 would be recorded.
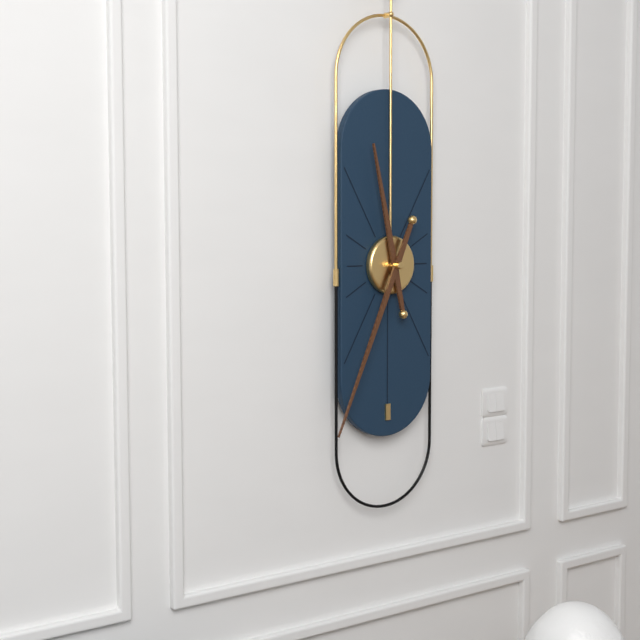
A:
11,34
